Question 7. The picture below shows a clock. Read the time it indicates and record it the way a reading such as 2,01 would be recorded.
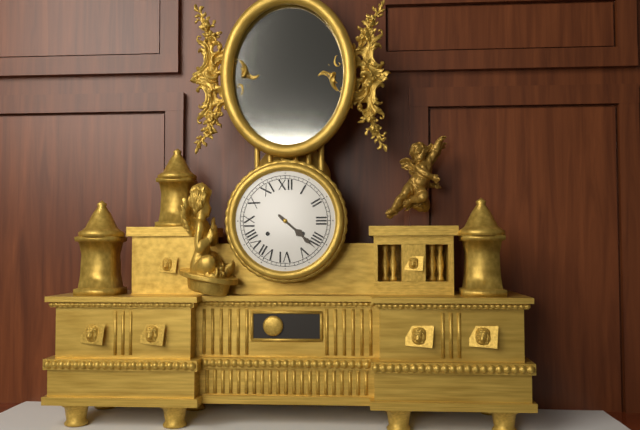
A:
4,22
